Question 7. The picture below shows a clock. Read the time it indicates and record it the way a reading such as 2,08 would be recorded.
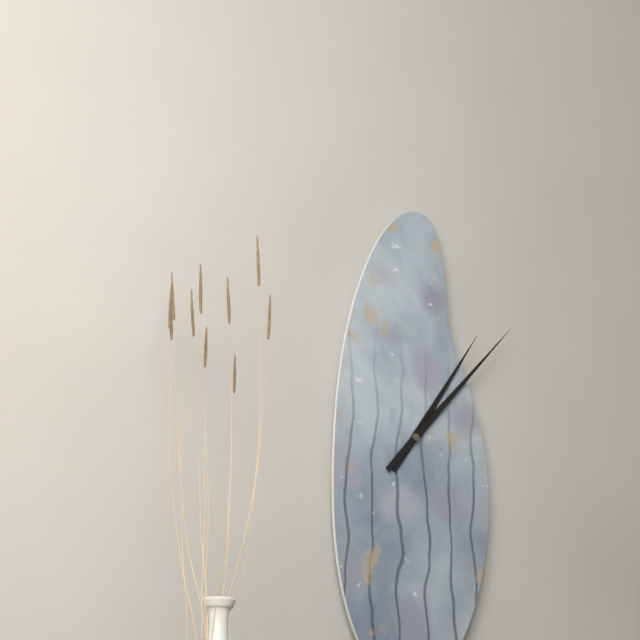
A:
1,07
